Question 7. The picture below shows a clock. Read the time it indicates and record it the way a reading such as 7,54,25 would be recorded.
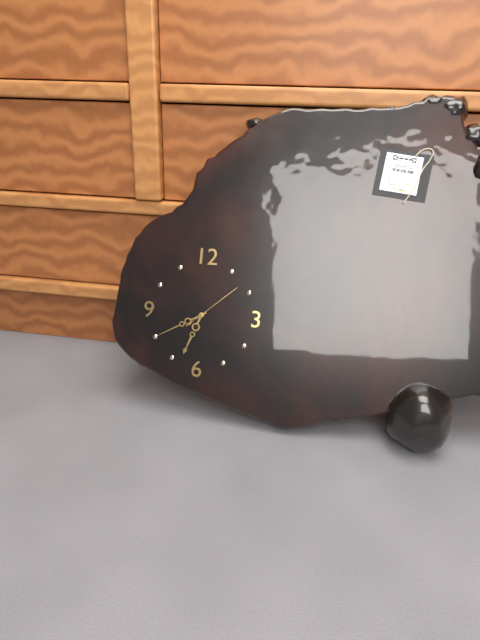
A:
6,40,08
